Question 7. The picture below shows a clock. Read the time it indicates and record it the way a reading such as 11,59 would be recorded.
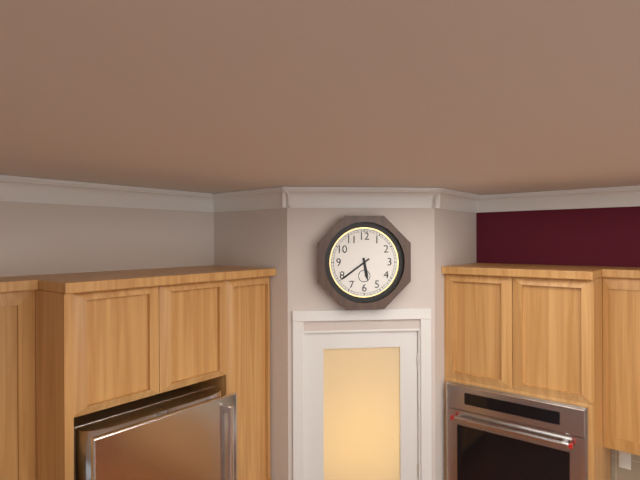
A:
5,39
